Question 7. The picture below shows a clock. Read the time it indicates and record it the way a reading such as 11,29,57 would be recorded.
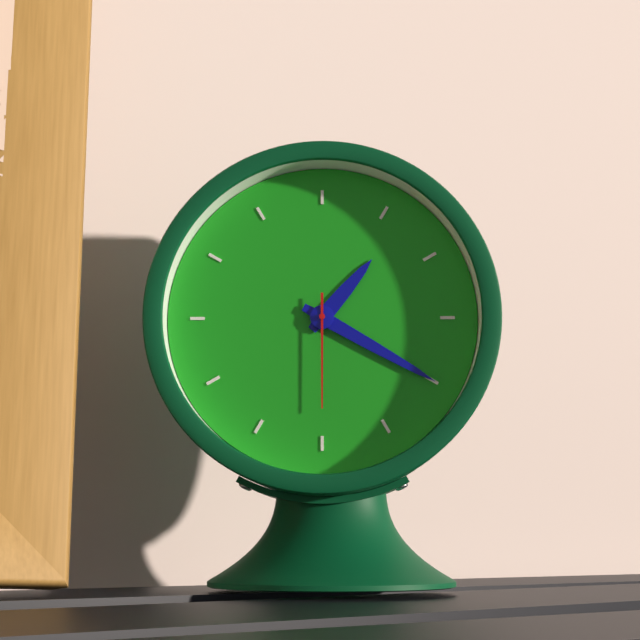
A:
1,20,30
